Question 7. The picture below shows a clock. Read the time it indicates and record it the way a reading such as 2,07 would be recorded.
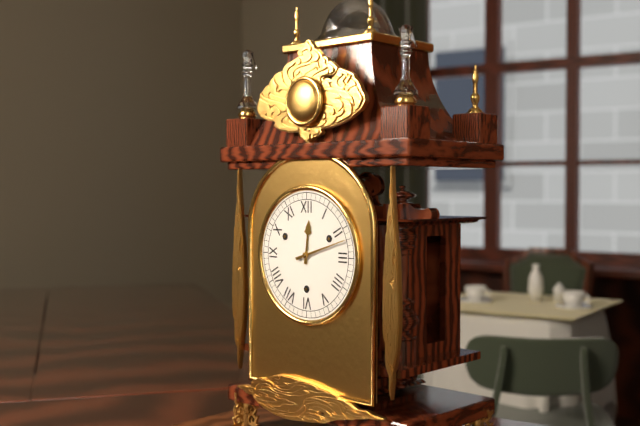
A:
12,12
